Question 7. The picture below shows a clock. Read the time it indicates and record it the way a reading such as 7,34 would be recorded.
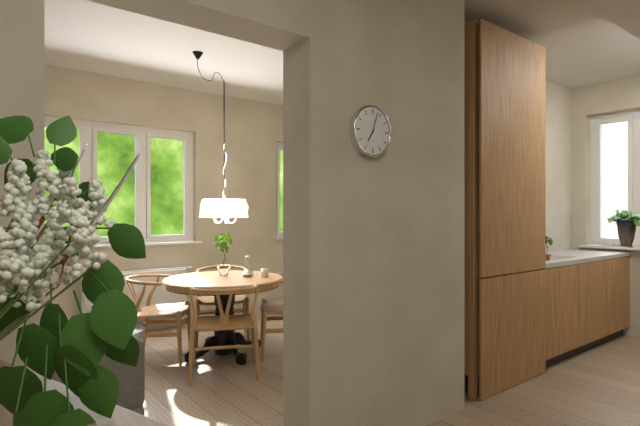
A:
7,03
